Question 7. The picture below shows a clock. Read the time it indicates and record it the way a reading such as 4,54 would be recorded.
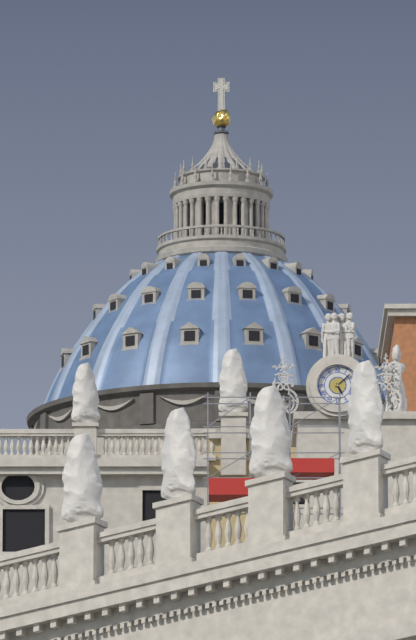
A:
5,08
